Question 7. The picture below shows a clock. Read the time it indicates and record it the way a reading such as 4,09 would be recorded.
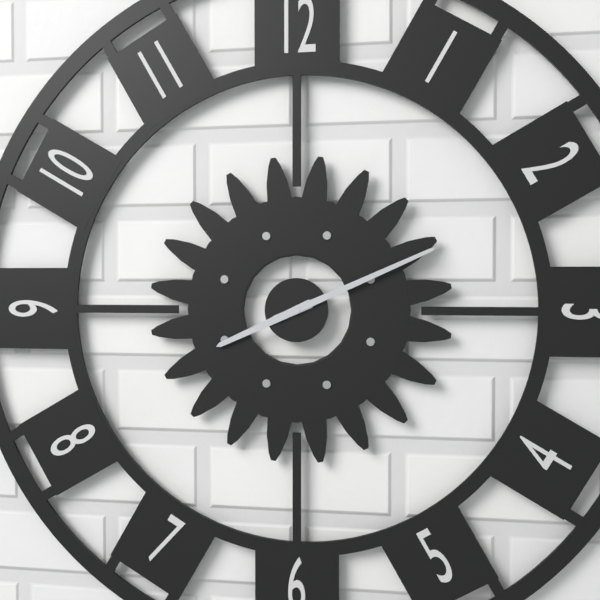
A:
8,11
